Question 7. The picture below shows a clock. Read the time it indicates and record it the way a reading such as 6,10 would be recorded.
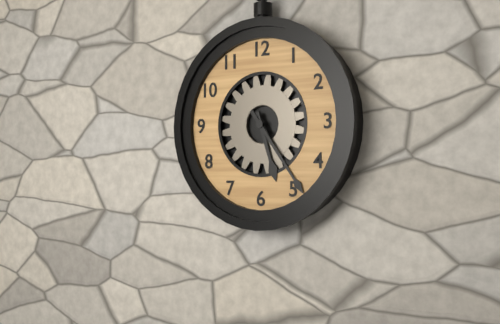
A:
5,24
